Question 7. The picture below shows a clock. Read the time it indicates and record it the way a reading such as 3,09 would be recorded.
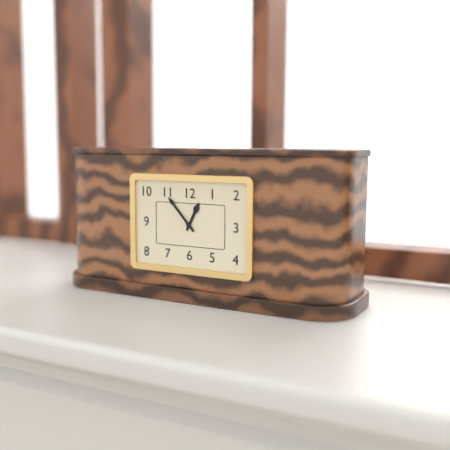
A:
12,53
